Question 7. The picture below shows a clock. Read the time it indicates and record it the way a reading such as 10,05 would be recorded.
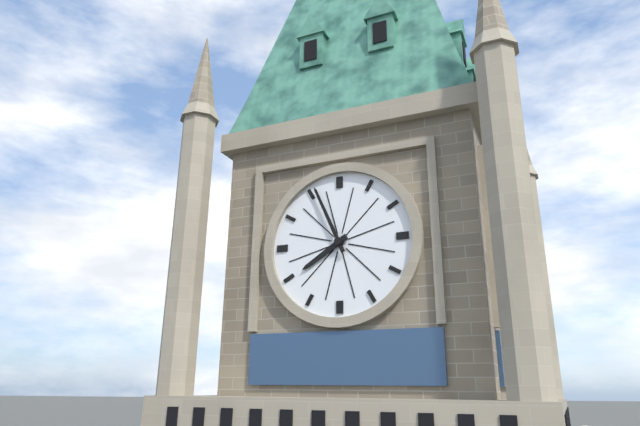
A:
7,56
